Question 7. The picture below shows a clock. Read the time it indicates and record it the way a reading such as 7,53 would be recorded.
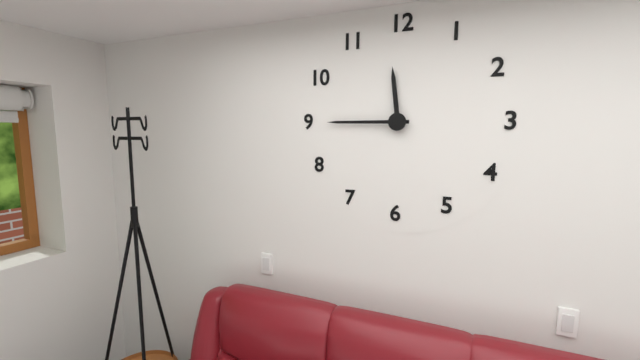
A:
11,45
